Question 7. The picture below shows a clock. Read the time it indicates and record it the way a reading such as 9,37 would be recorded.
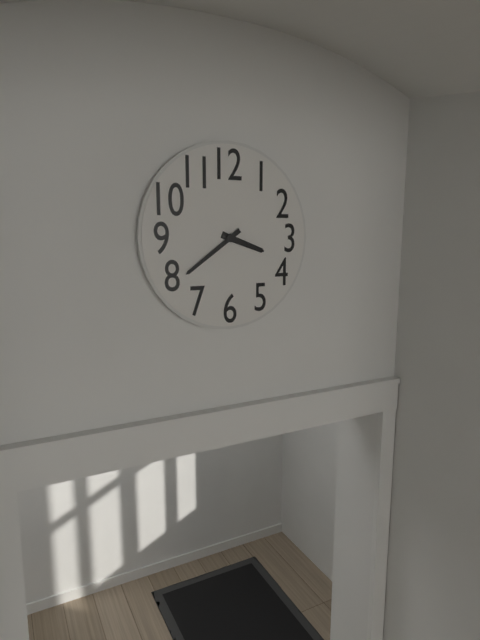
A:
3,39
